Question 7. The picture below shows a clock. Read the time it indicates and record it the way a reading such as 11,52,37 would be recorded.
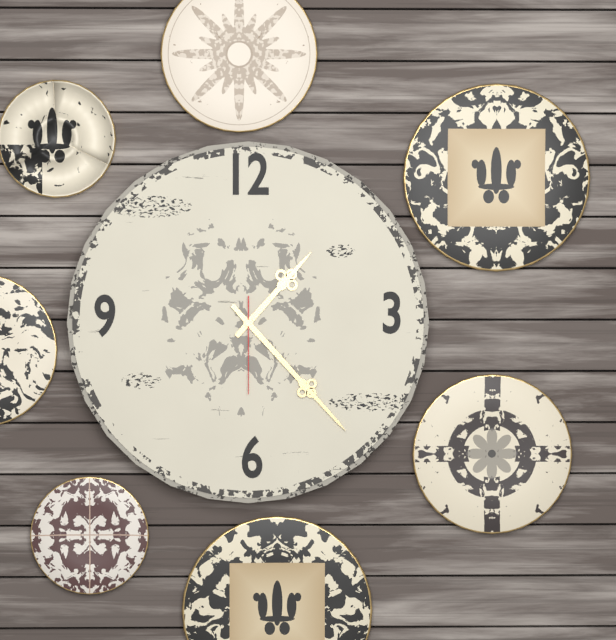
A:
1,23,30
